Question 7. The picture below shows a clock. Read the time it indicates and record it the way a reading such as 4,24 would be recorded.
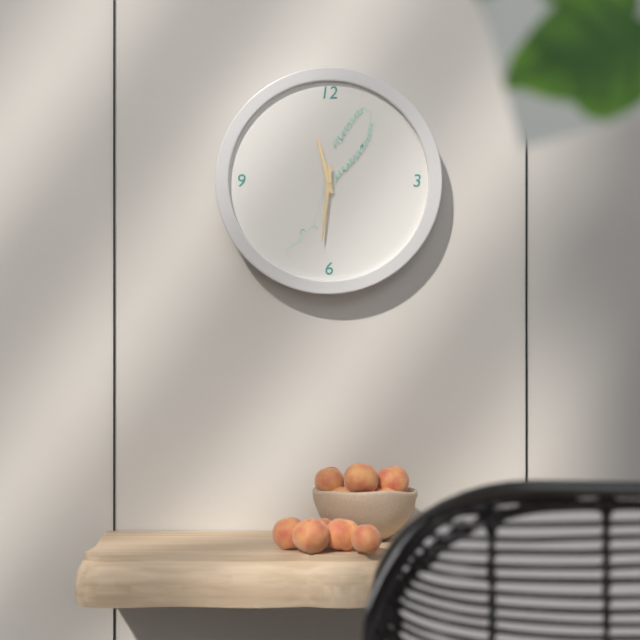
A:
11,31
